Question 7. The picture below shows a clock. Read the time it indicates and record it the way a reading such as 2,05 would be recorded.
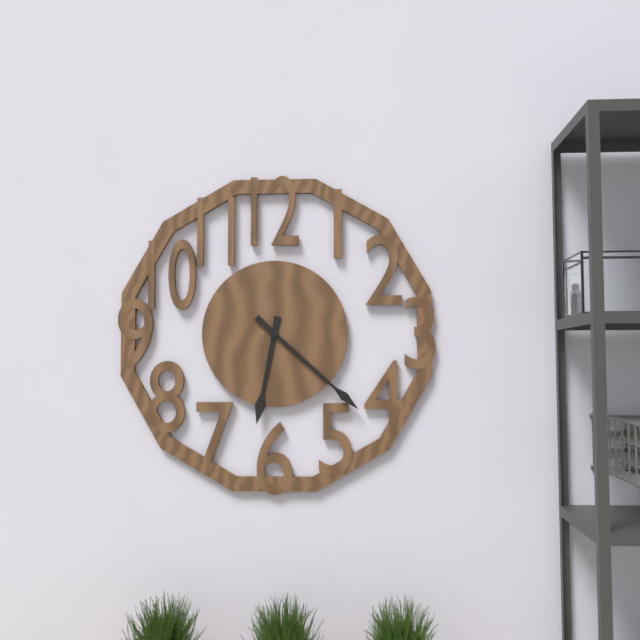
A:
6,22
